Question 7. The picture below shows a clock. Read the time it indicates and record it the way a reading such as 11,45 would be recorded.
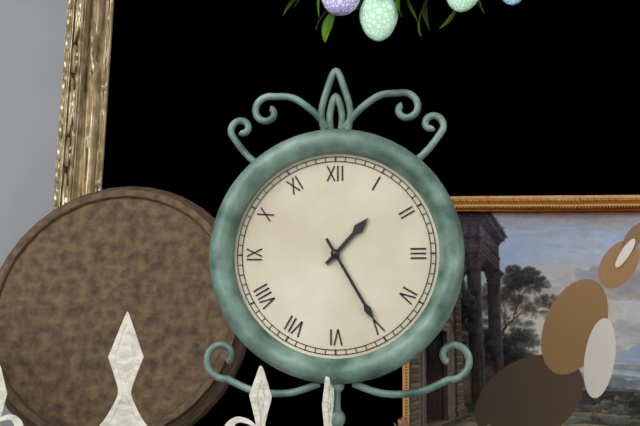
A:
1,25
